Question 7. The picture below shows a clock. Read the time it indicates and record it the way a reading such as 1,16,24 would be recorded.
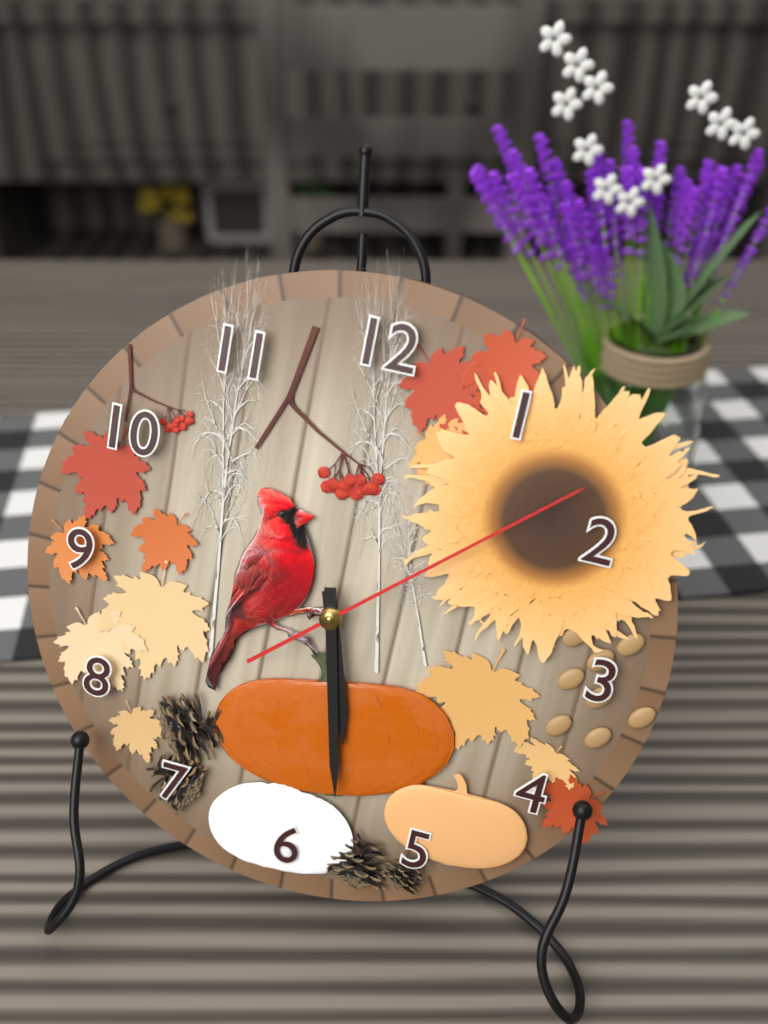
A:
5,28,08
